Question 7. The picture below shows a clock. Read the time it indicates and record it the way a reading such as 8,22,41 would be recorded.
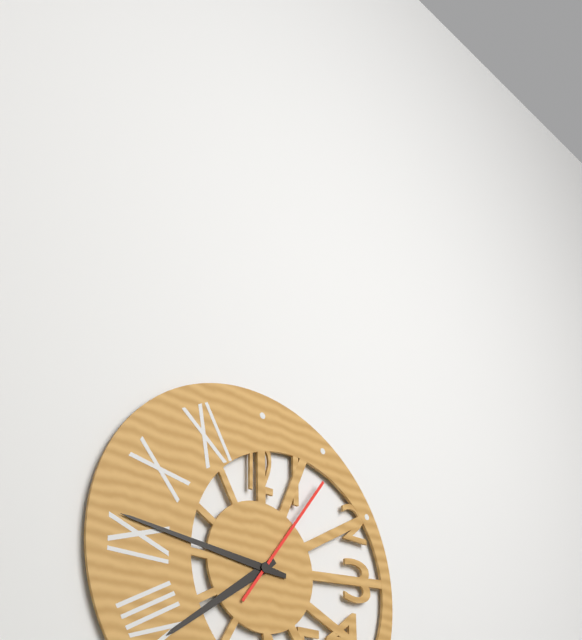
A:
7,46,06
